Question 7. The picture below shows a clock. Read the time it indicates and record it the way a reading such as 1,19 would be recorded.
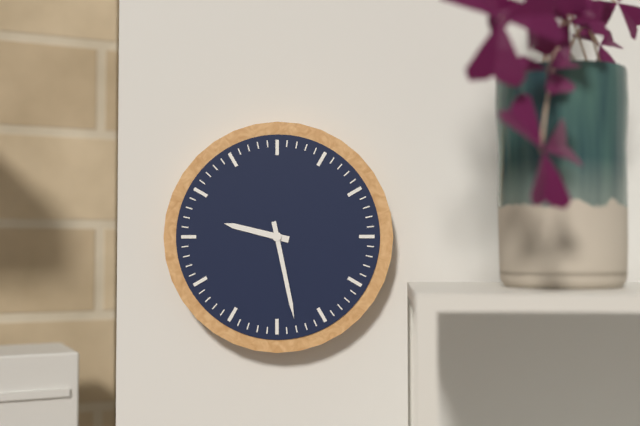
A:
9,28
